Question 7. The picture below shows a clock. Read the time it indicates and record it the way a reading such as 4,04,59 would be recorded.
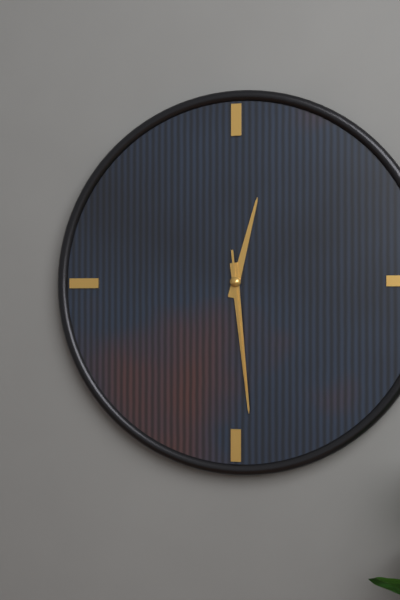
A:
12,29,29
